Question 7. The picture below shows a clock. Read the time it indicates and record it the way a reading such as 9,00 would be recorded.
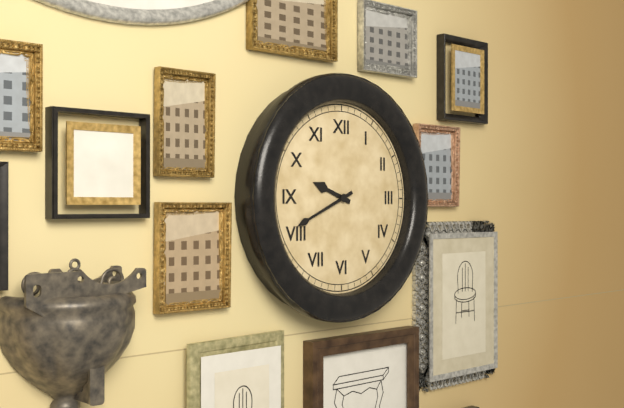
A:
9,41
